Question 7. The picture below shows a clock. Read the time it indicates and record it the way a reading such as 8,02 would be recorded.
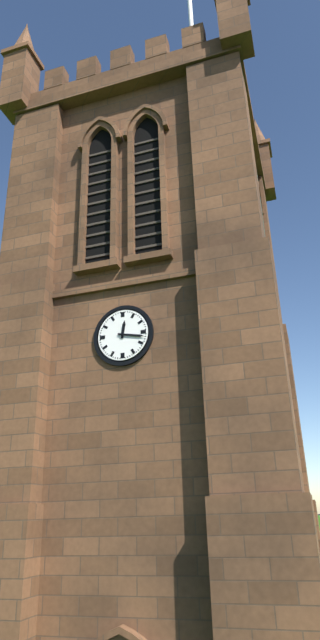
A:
12,17
